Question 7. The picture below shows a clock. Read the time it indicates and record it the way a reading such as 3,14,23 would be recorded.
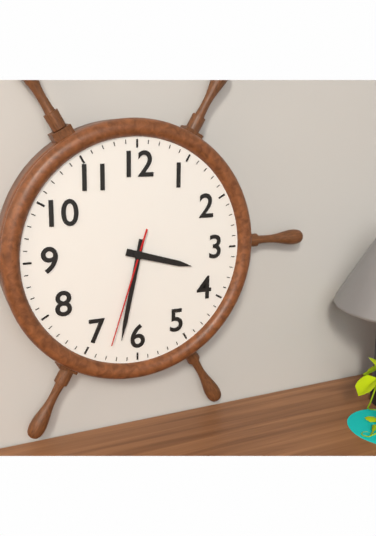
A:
3,32,33
